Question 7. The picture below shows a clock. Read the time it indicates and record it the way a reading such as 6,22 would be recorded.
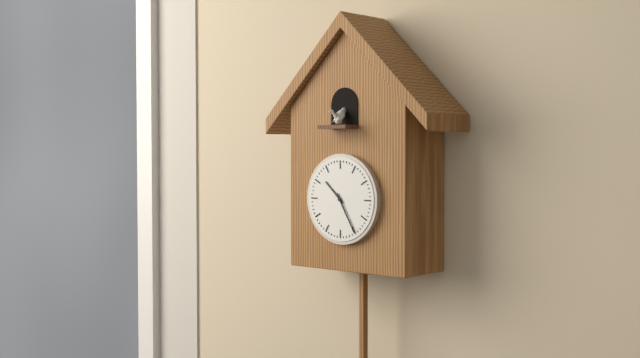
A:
10,25
